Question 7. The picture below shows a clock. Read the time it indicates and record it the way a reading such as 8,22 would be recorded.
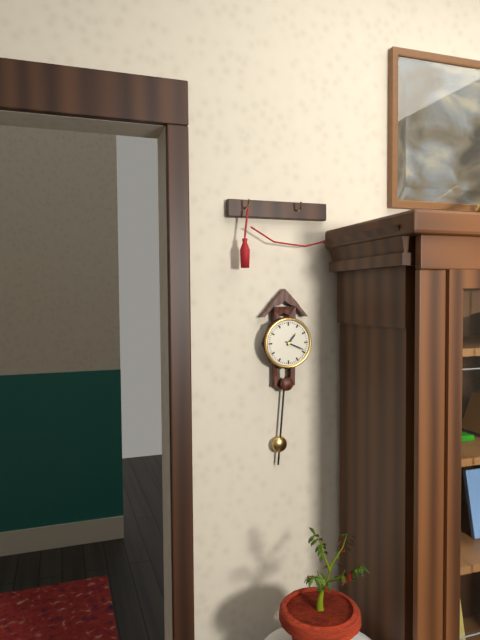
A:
1,19
